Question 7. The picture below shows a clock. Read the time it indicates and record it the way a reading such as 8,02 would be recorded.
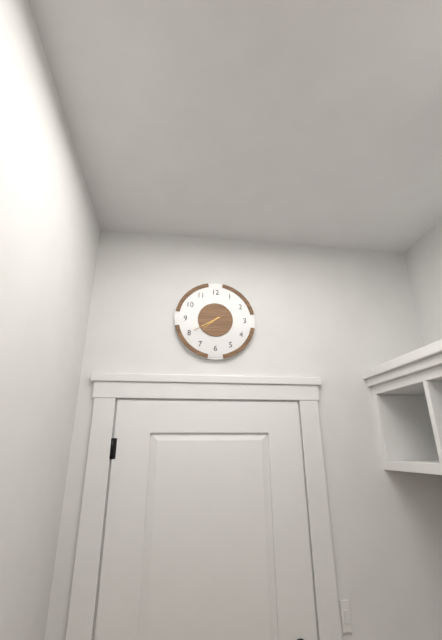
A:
7,40
